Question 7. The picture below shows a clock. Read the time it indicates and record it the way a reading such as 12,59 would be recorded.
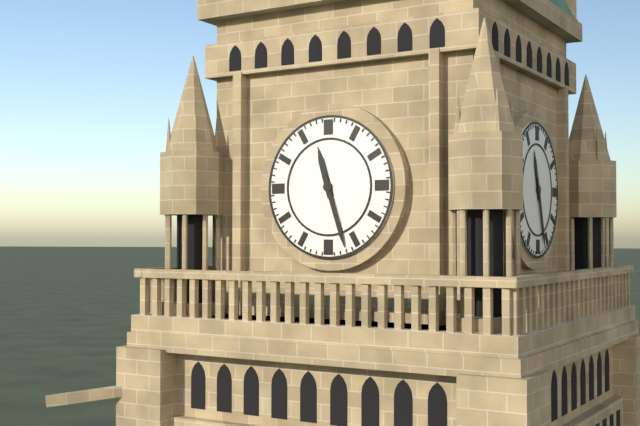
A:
11,27
